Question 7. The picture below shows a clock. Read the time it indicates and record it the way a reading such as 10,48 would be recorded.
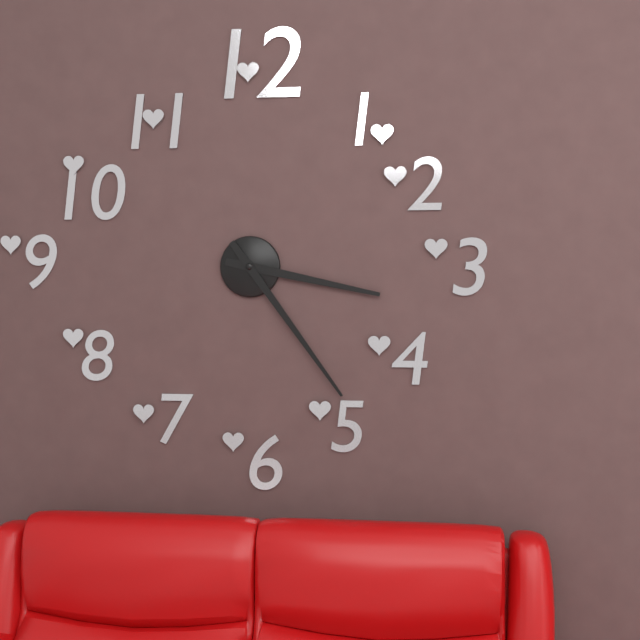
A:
3,24
